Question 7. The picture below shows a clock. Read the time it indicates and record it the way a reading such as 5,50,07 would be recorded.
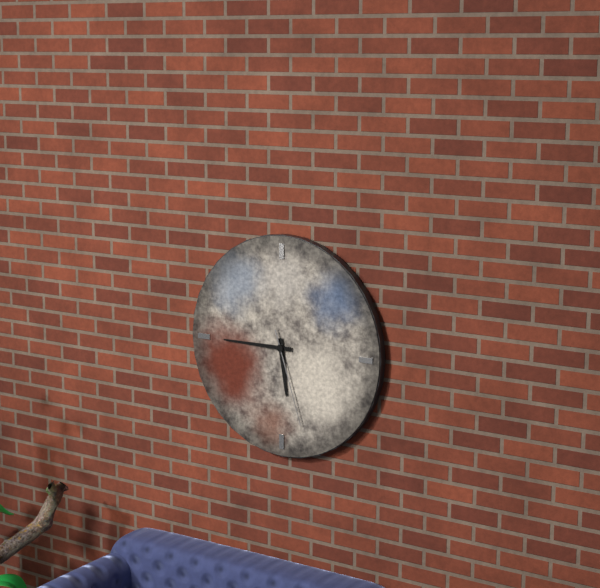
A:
5,45,27
